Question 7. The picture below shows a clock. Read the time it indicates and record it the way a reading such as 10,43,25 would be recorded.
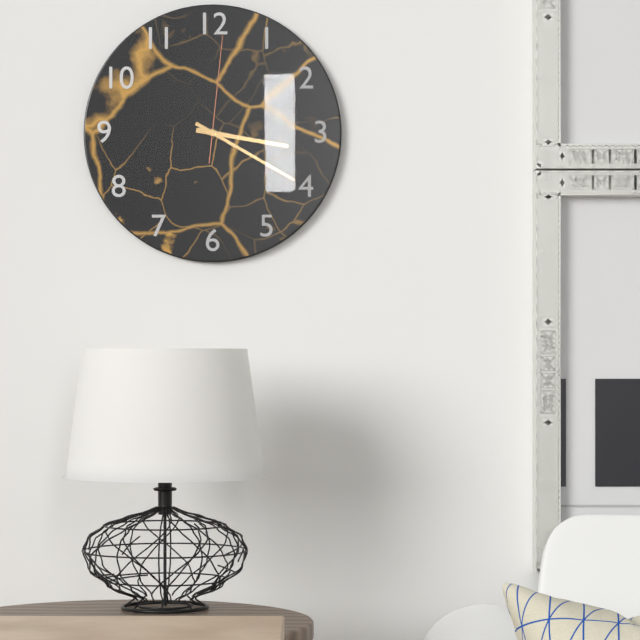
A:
3,20,01
